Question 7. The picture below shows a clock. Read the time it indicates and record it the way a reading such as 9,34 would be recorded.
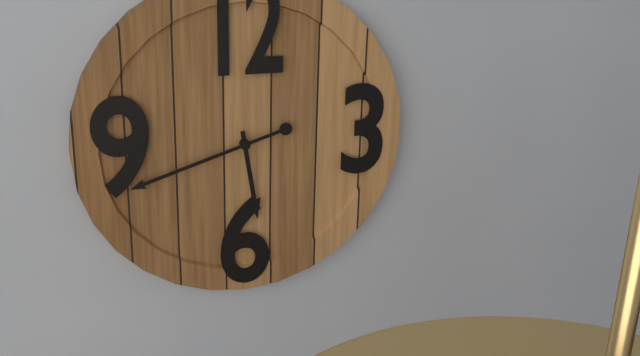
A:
5,42
